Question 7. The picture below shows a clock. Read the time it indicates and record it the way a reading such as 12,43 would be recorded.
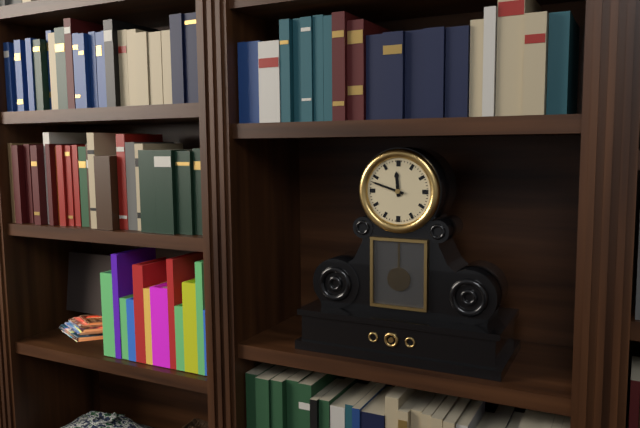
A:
11,48
